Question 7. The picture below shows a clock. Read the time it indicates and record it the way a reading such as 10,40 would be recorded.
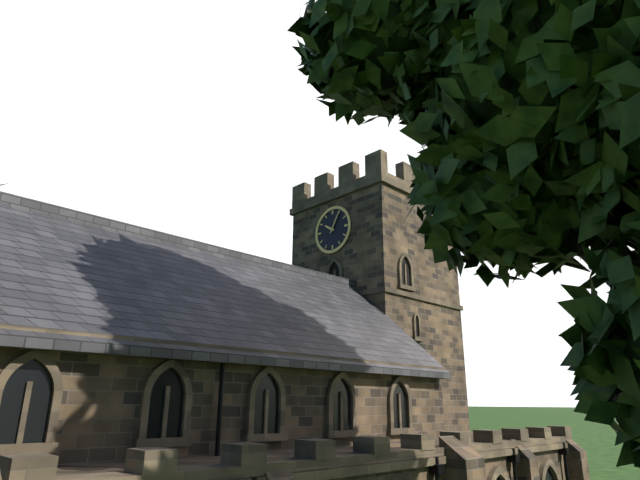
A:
10,05
